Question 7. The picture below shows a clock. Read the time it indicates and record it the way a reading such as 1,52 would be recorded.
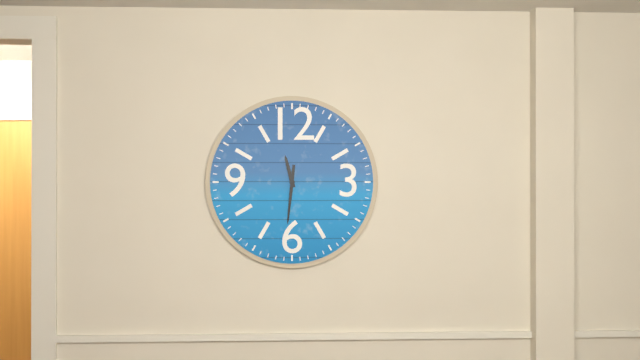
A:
11,31
